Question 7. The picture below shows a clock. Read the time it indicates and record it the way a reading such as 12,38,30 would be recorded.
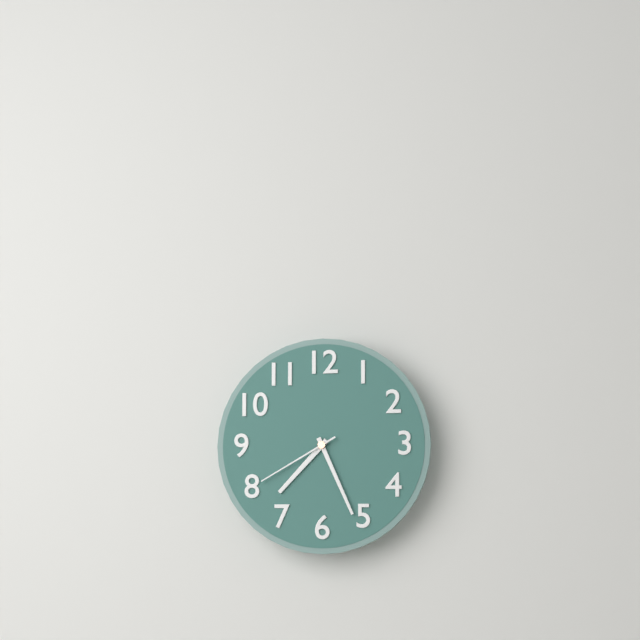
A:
7,26,40
